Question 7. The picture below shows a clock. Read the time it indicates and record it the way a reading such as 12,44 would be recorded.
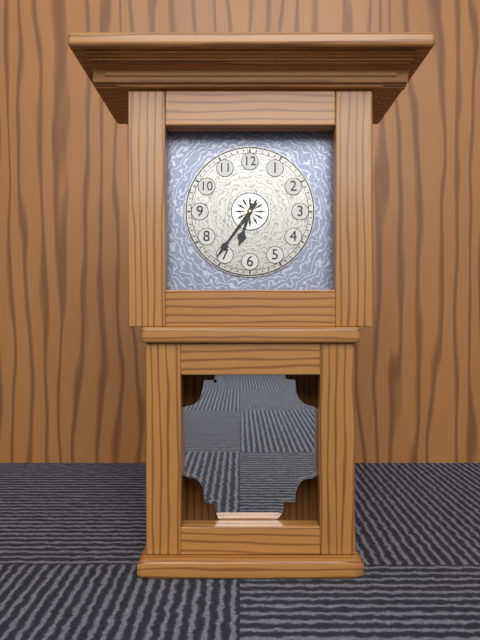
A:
6,36
